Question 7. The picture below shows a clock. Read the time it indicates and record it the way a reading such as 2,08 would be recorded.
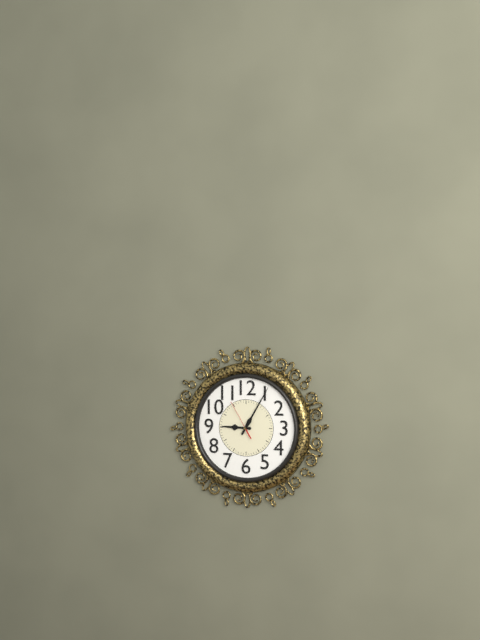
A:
9,05
